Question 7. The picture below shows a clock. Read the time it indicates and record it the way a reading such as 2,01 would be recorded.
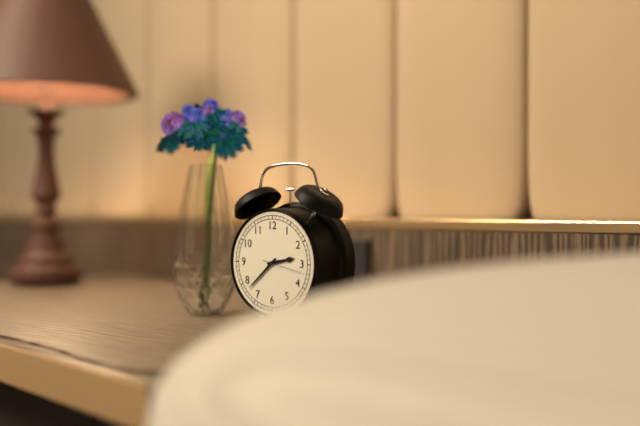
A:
2,38
